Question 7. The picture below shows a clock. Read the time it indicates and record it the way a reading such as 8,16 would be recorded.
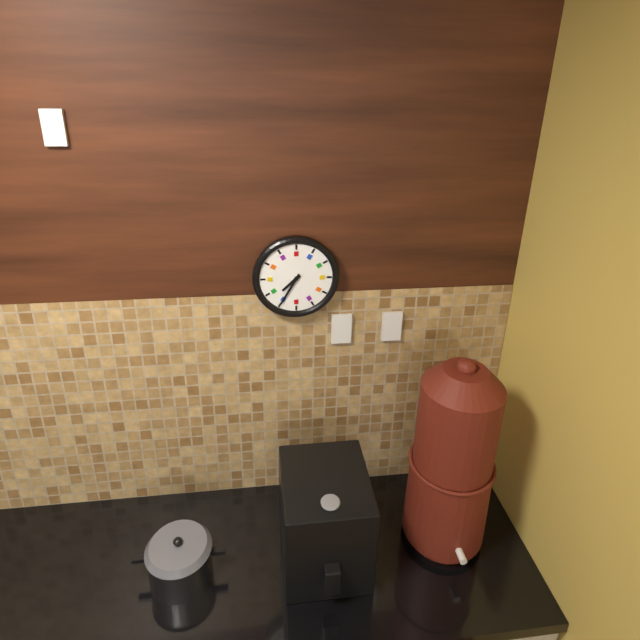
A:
7,35
